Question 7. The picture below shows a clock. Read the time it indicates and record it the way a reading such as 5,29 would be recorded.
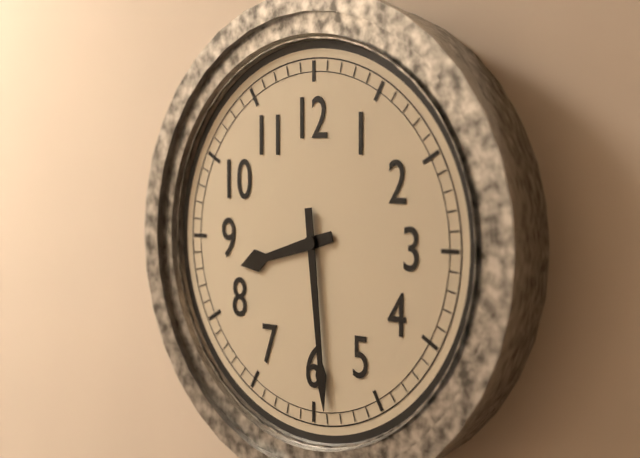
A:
8,29
